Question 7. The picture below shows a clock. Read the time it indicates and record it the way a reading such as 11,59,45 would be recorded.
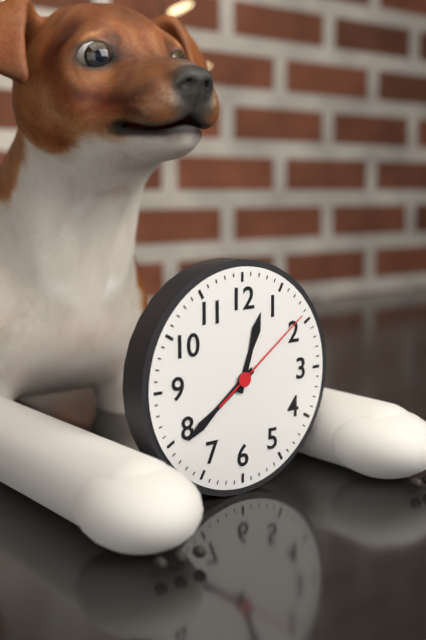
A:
12,39,09
